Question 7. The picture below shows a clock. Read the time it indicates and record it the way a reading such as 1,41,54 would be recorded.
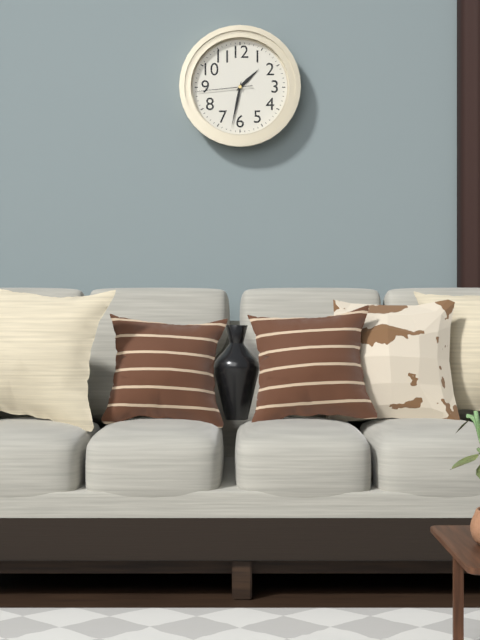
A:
1,32,44
